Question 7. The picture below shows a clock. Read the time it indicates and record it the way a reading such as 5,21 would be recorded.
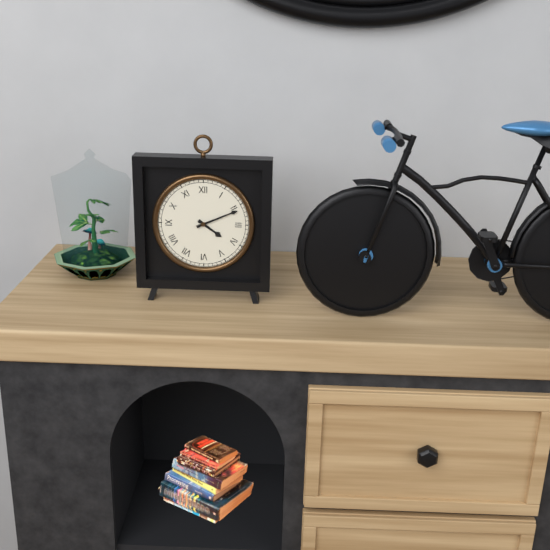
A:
4,11
